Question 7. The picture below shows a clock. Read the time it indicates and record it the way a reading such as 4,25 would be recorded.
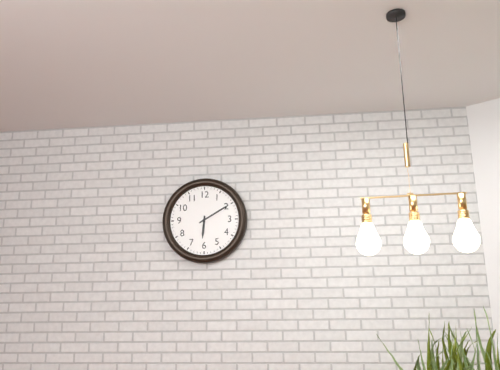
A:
6,10
